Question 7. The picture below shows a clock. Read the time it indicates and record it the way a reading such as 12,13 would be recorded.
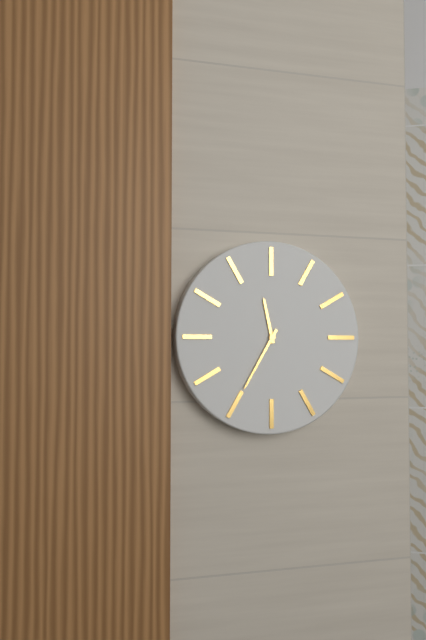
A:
11,35
